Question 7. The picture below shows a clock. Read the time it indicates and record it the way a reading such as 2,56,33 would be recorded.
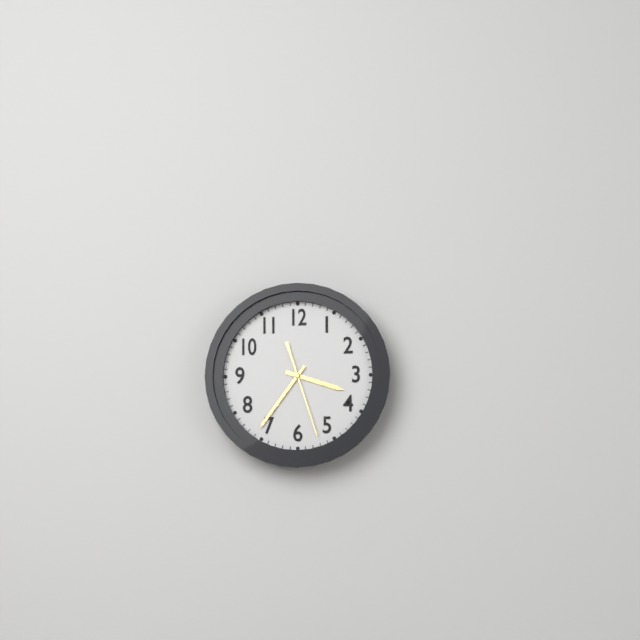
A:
3,36,27
